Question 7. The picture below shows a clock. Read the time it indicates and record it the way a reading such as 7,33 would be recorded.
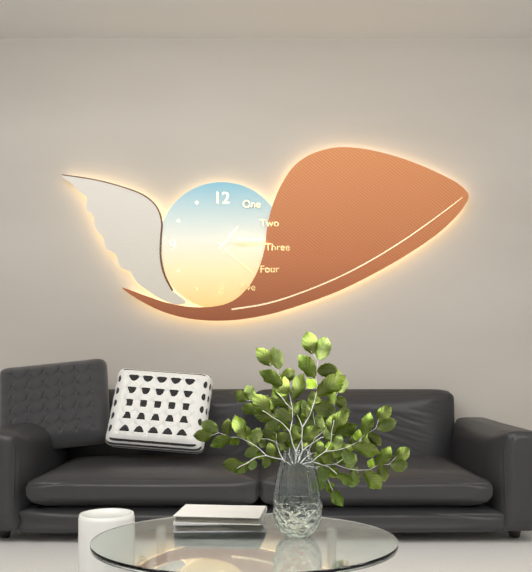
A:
1,22
